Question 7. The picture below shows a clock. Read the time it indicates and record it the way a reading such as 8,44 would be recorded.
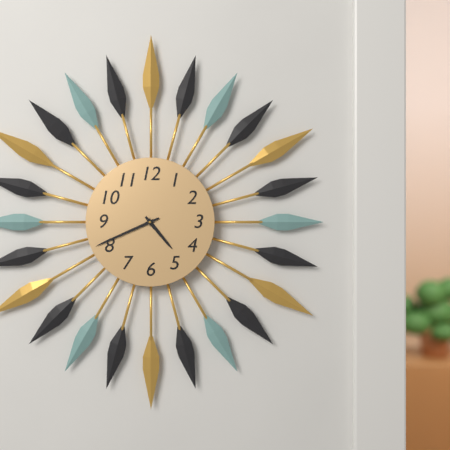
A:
4,41
